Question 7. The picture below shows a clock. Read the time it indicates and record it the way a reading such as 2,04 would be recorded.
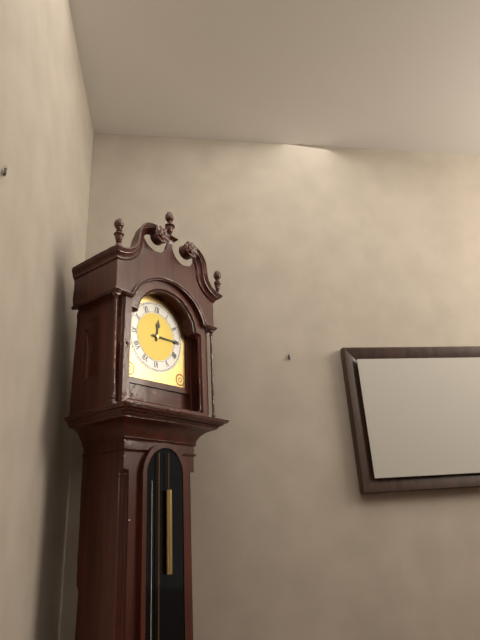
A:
12,15
